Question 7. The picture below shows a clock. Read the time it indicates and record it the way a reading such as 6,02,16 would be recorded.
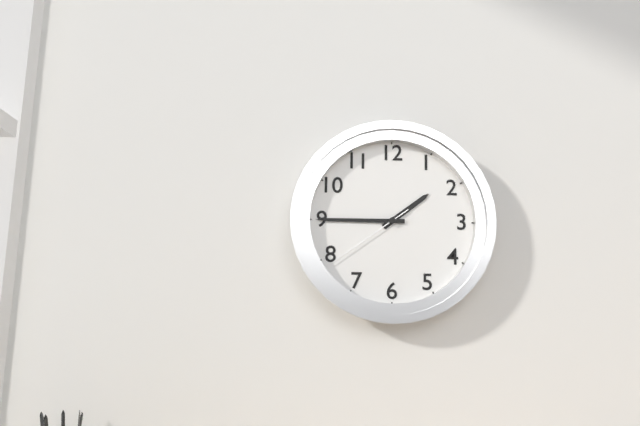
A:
1,45,39
